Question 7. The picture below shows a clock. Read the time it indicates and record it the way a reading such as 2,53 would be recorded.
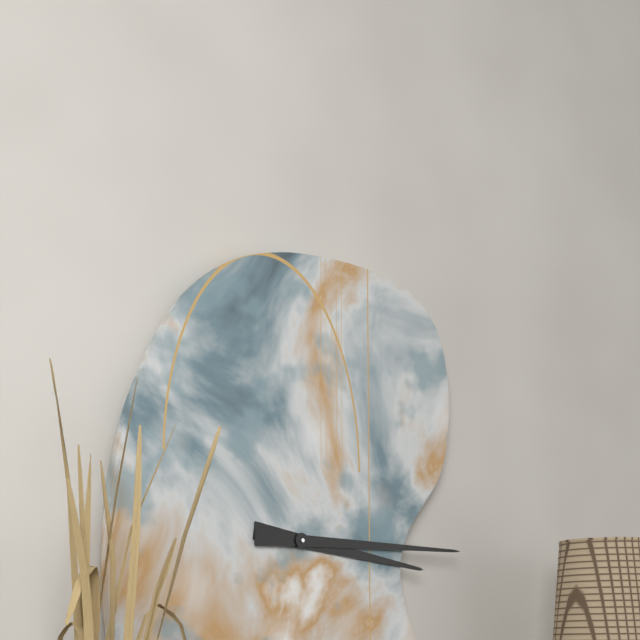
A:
3,15
